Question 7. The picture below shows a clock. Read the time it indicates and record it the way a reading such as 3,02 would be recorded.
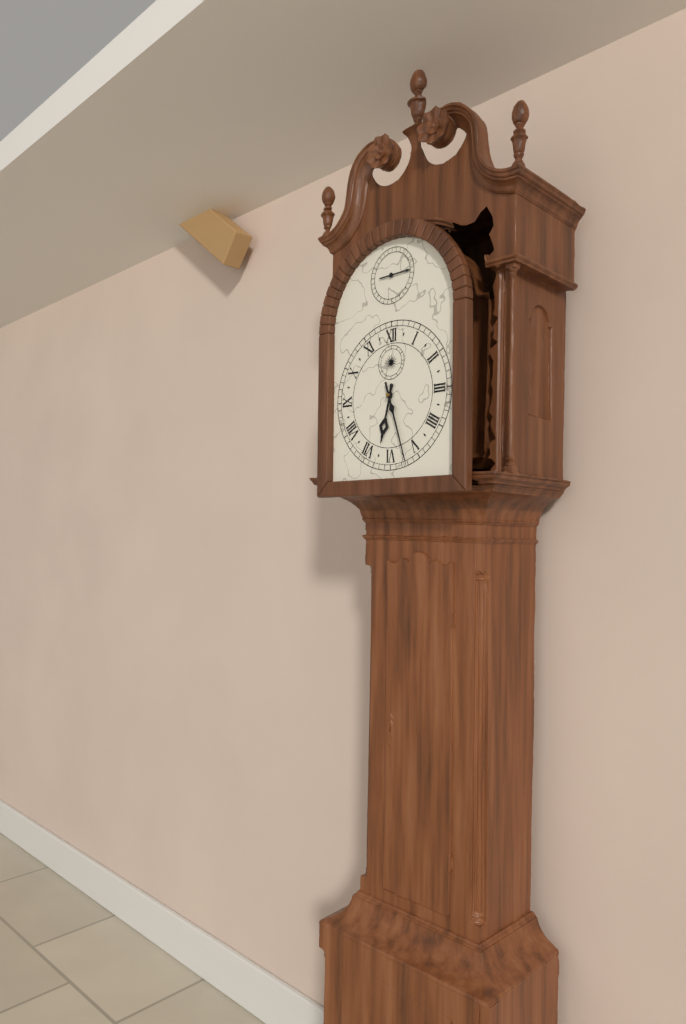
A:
6,27
